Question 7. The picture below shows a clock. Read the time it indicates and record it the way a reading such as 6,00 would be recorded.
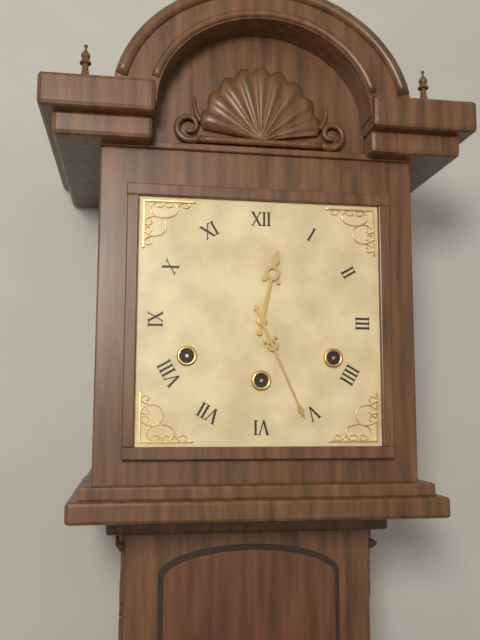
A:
12,26
